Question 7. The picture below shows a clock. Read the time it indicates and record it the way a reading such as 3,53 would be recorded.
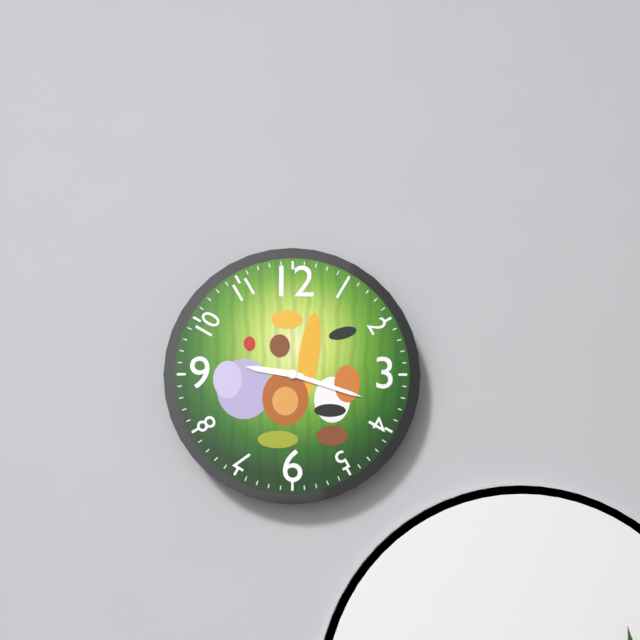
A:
9,18
